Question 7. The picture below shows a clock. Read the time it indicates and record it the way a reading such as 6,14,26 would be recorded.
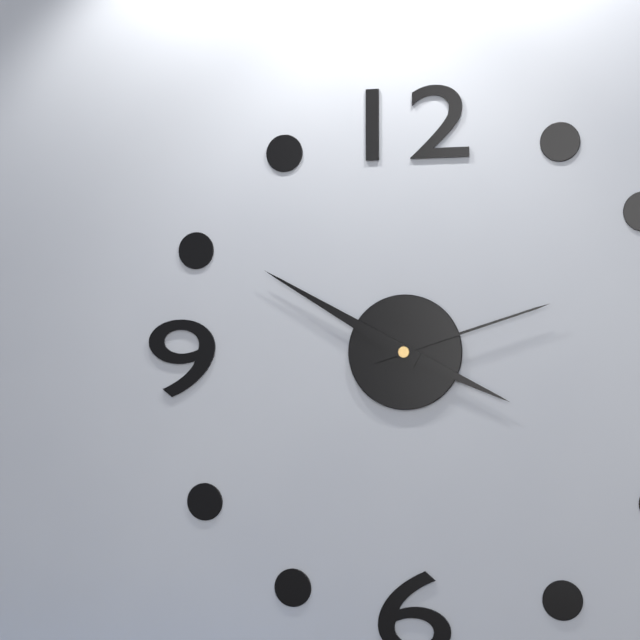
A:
3,50,12
